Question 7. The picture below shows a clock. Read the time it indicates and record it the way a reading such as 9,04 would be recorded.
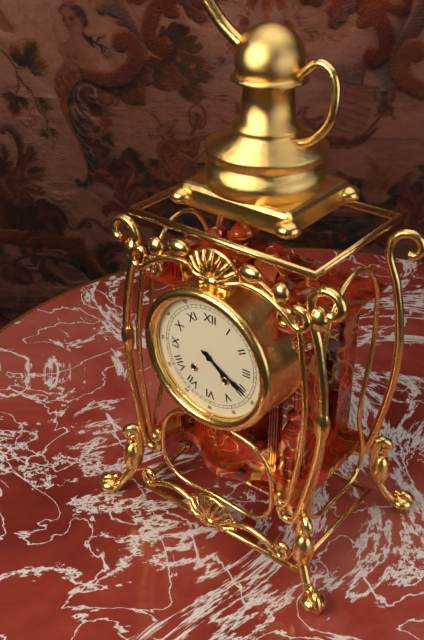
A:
4,20
